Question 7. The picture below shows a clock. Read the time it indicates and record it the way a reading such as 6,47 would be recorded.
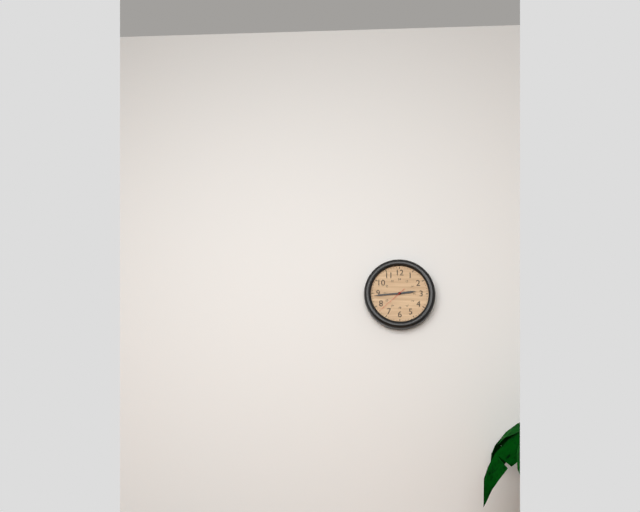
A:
2,44
